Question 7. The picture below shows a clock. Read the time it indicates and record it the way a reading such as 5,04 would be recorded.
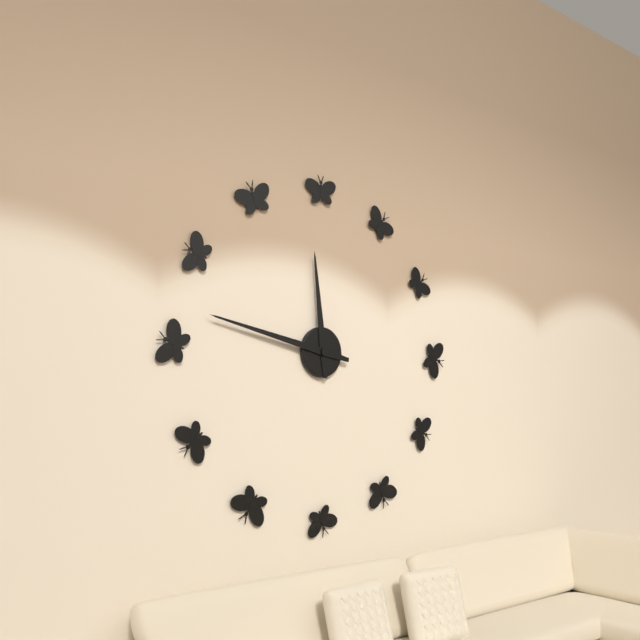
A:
11,47
